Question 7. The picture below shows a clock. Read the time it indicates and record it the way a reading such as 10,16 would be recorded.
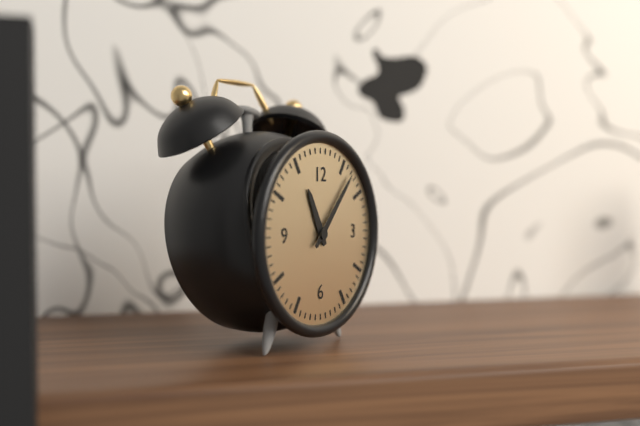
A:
11,07
